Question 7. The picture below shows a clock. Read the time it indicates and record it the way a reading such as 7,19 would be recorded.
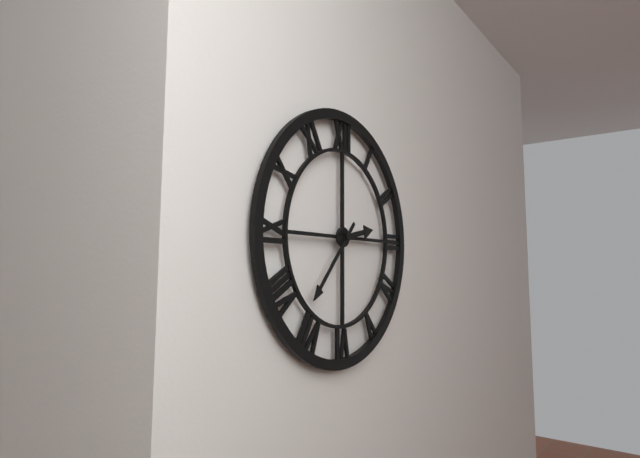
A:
2,37
